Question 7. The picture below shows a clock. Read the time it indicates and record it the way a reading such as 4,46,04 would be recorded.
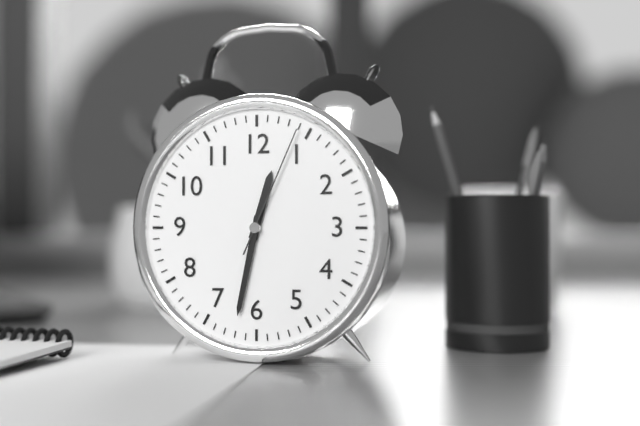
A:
12,32,04
